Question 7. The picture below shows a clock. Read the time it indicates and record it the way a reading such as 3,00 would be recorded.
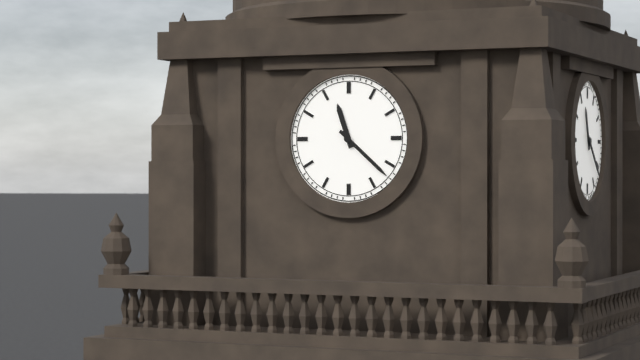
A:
11,22
